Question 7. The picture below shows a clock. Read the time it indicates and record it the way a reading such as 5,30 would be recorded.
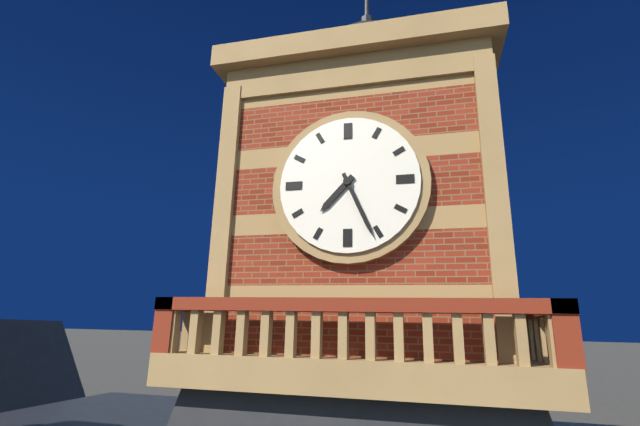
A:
7,26
